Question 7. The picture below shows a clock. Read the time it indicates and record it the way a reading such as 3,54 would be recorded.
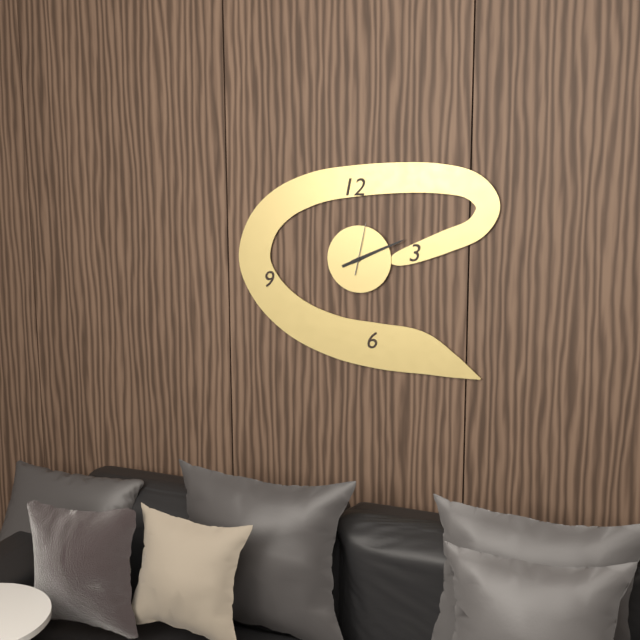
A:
2,11
